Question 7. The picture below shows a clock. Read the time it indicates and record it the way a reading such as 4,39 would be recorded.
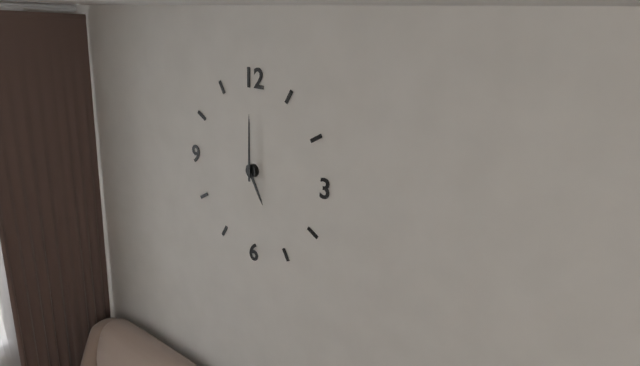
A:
5,00
